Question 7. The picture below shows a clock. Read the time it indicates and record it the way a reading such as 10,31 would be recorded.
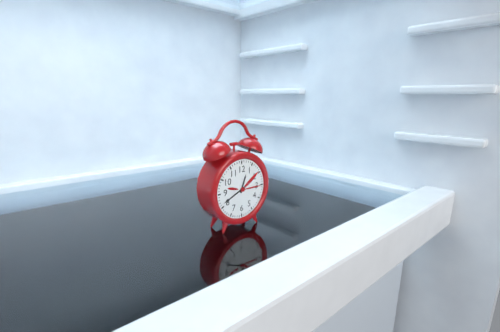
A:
12,41
